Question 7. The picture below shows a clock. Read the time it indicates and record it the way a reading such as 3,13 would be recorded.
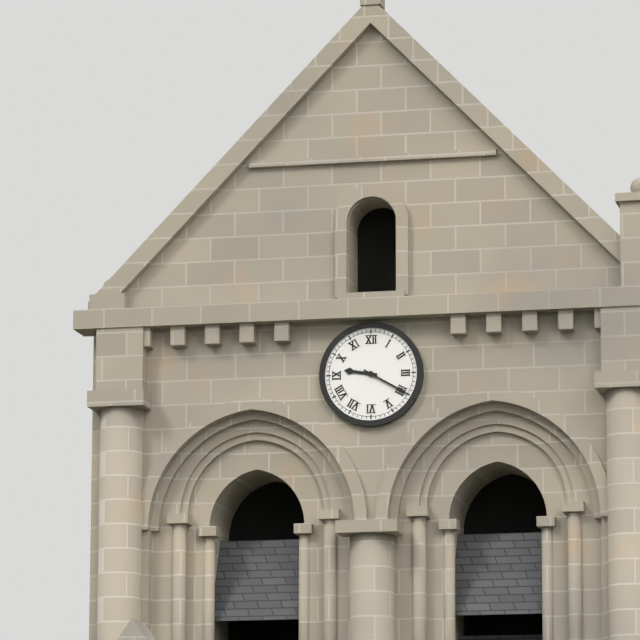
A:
9,20
